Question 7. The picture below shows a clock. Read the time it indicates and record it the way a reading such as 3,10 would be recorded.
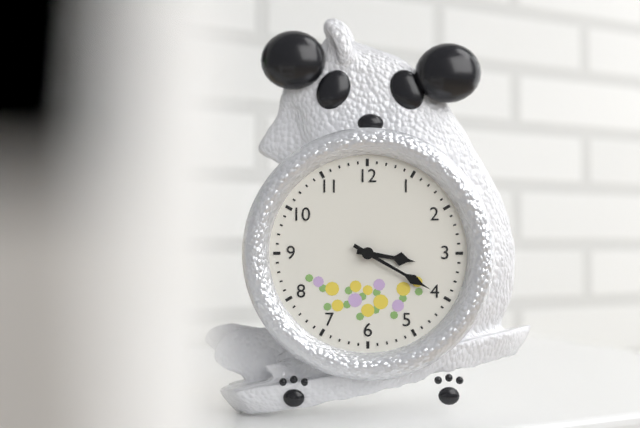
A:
3,20
